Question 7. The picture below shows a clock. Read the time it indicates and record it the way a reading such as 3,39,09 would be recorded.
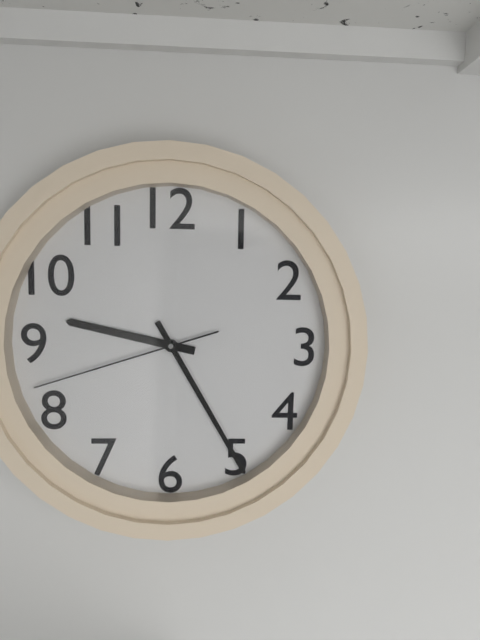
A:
9,25,42
